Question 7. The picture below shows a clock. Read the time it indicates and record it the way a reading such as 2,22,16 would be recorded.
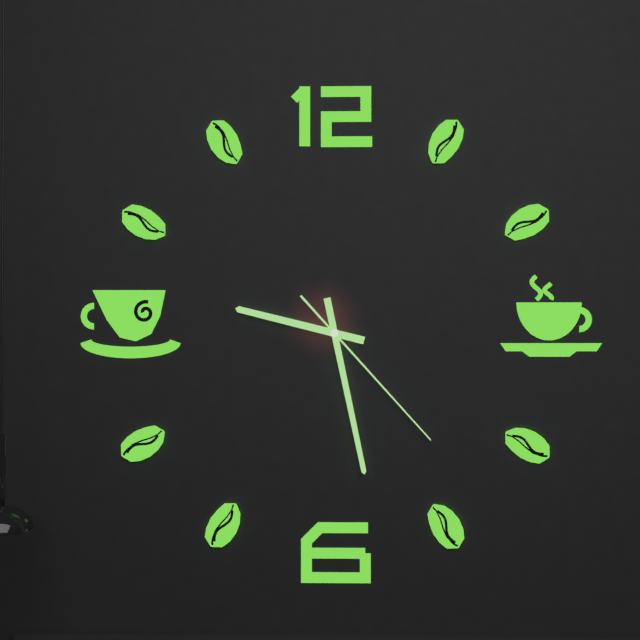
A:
9,28,23
